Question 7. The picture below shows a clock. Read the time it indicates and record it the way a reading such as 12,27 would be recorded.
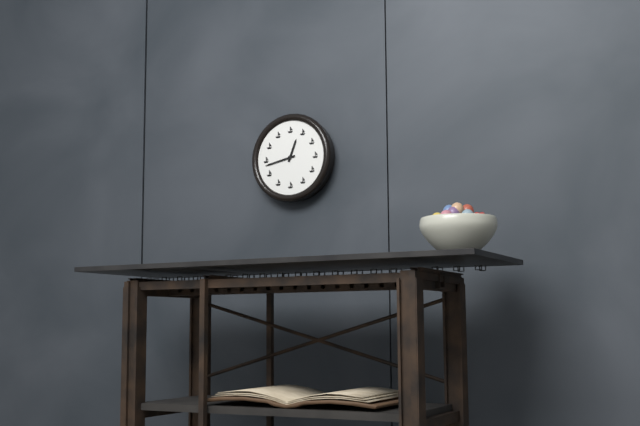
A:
12,43
